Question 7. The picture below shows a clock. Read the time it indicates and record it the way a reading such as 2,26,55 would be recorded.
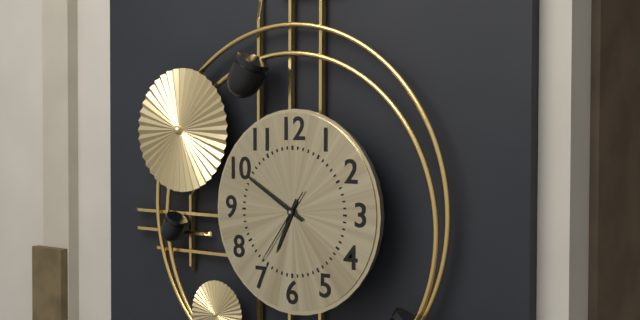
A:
6,50,36
